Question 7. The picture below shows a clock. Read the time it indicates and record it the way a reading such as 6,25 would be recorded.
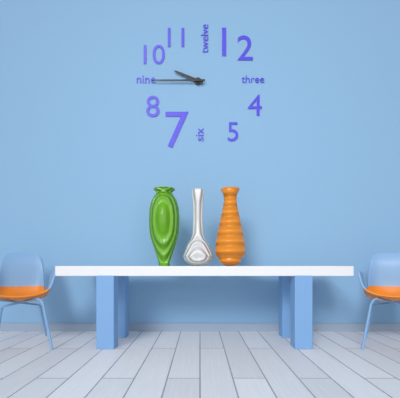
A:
9,45
